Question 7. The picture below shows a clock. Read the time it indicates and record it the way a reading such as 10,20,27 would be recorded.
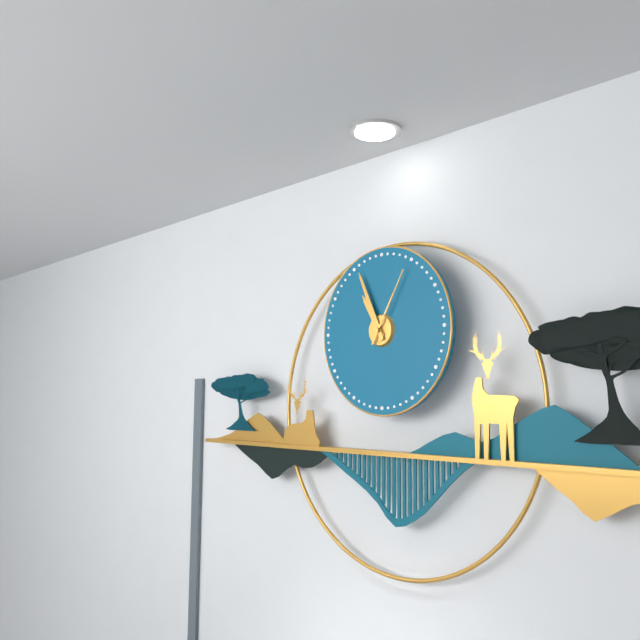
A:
10,56,05
